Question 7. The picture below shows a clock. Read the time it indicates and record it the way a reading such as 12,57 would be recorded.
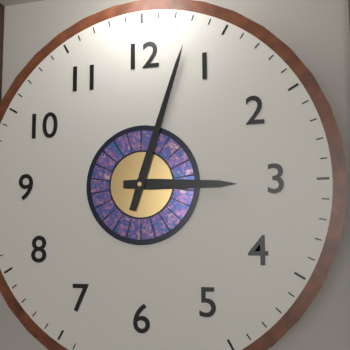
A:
3,03
